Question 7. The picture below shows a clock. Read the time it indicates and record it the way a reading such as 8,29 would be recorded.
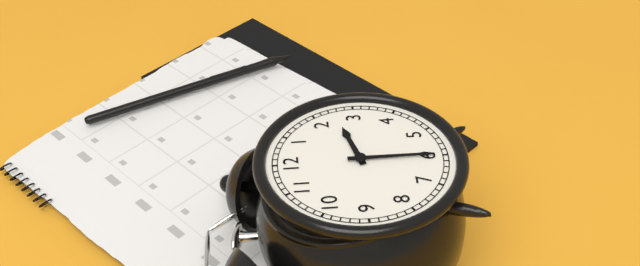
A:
2,30
